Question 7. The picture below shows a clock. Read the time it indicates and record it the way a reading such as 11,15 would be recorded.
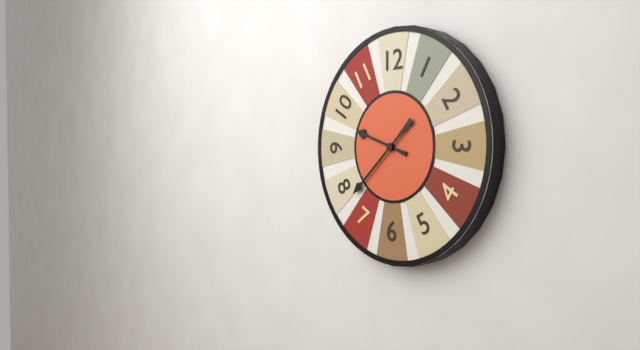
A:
9,38
